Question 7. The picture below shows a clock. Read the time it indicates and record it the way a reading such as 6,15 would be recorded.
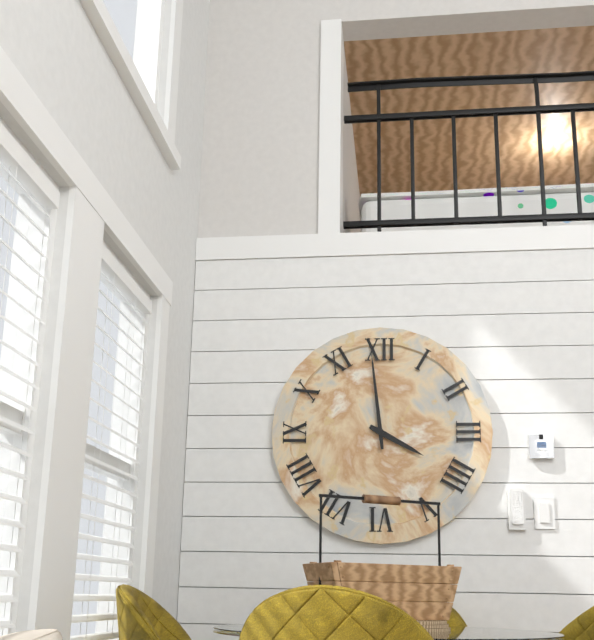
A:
3,59
